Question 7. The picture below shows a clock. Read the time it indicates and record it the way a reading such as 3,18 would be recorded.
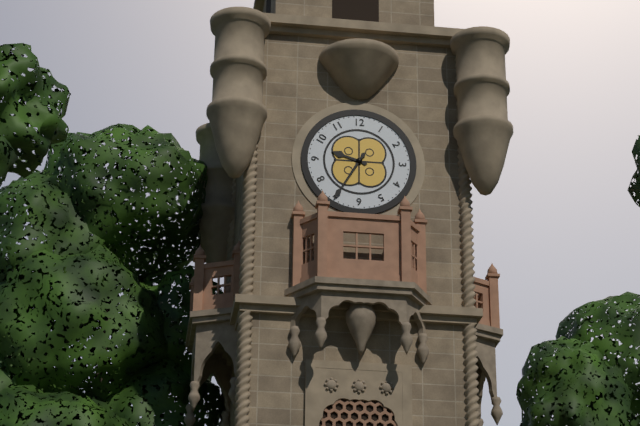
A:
9,35
